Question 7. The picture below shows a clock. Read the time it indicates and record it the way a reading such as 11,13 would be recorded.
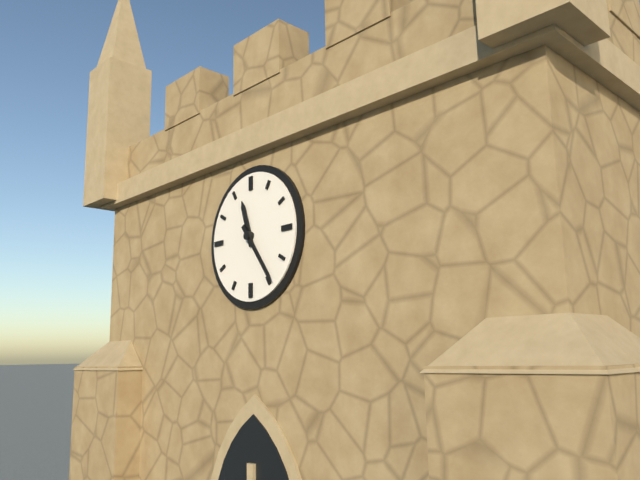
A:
11,24
